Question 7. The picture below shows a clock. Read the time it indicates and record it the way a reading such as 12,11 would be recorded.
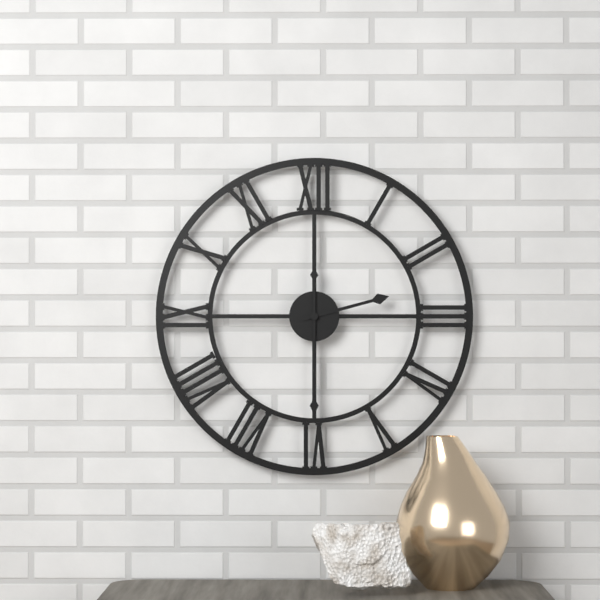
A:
2,30
